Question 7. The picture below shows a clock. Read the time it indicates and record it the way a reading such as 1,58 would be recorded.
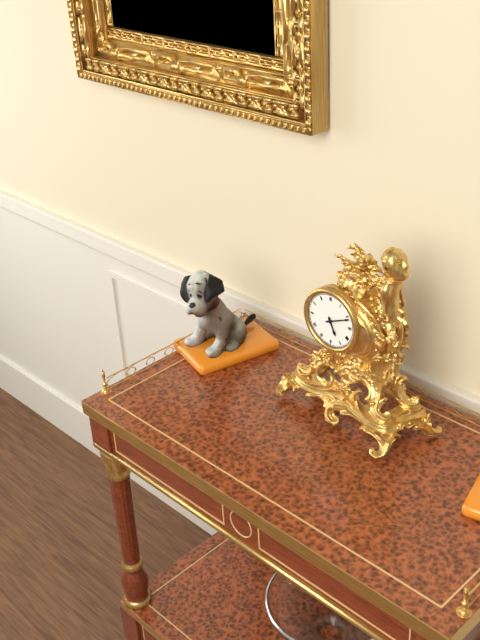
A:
5,11
